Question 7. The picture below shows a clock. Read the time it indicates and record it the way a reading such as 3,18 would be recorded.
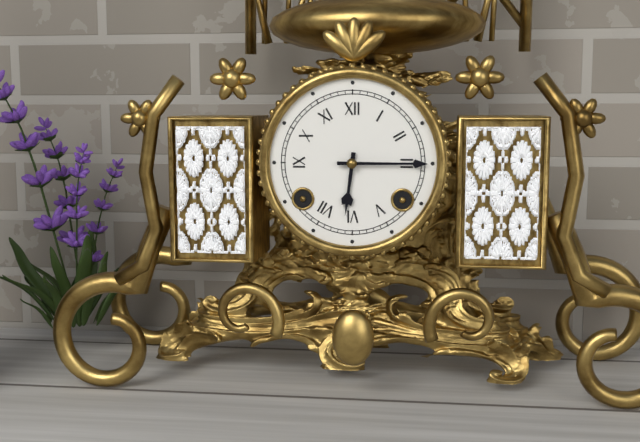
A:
6,15
